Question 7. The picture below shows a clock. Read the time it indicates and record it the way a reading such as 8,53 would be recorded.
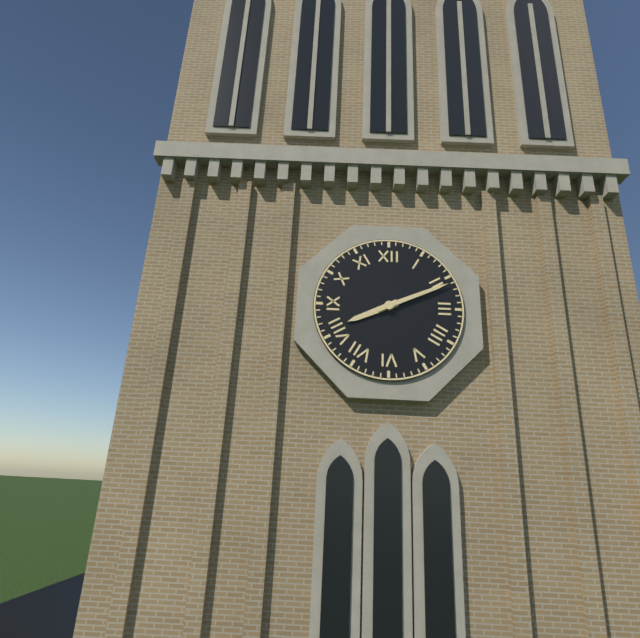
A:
8,11
